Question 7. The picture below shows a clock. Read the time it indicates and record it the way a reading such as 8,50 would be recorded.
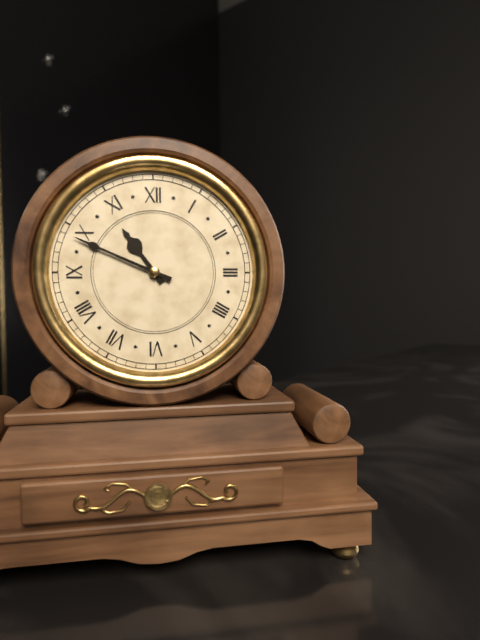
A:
10,49
